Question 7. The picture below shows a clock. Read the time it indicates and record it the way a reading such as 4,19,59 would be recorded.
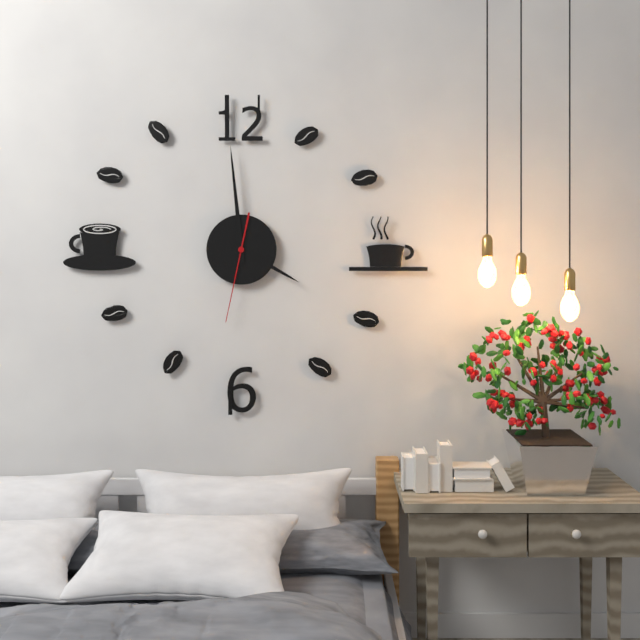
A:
3,59,32
